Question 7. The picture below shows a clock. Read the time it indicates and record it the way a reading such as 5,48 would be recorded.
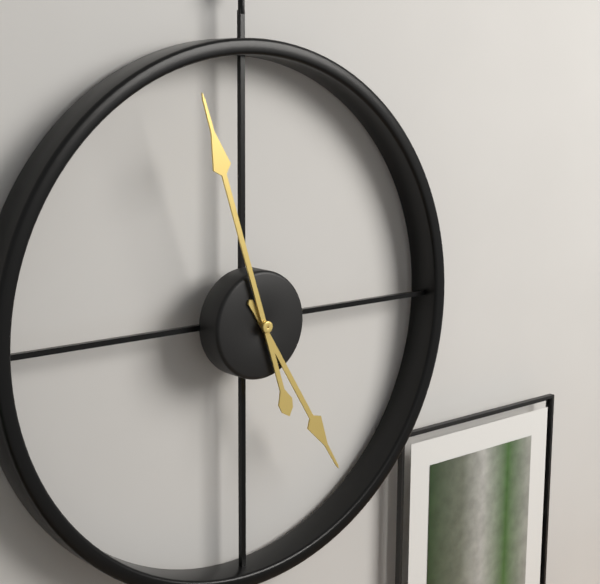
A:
4,57
